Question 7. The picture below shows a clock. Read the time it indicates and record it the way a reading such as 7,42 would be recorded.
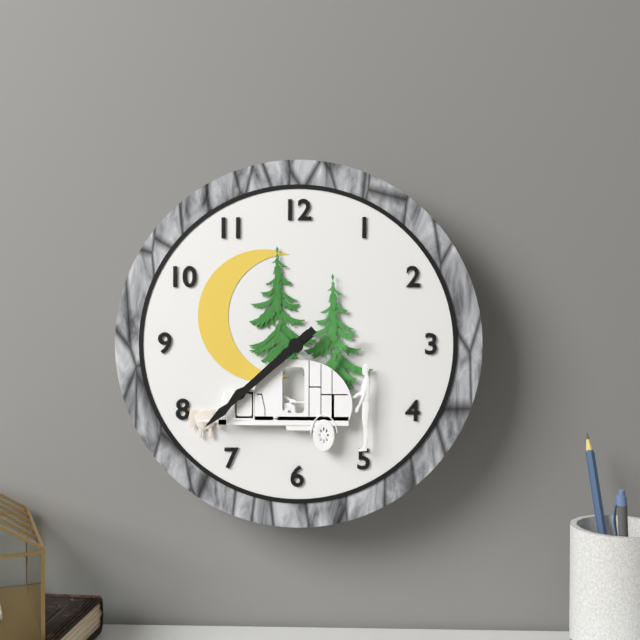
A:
7,38
